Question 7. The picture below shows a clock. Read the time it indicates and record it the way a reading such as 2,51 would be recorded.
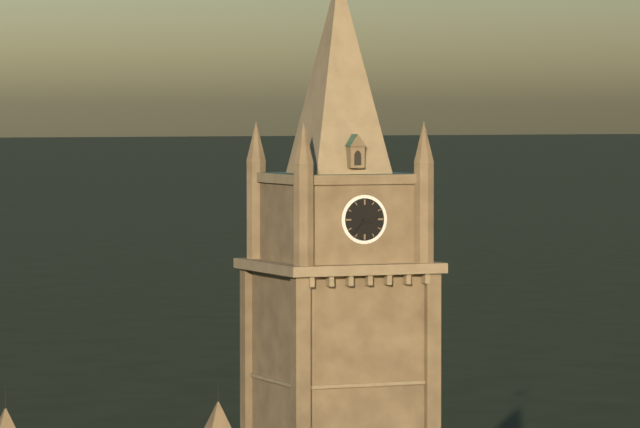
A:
3,36
